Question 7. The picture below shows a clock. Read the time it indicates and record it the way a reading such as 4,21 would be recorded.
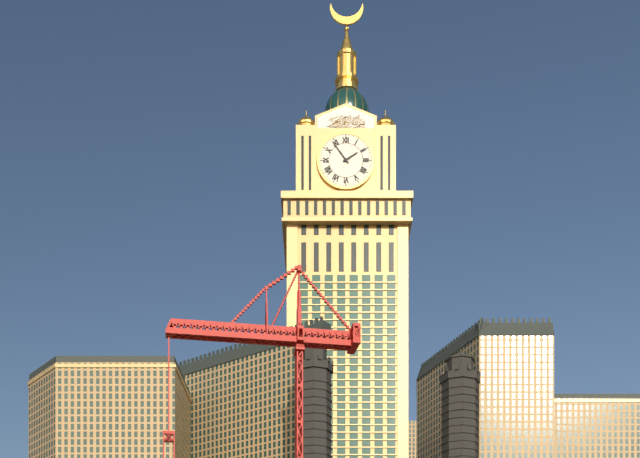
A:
1,54
